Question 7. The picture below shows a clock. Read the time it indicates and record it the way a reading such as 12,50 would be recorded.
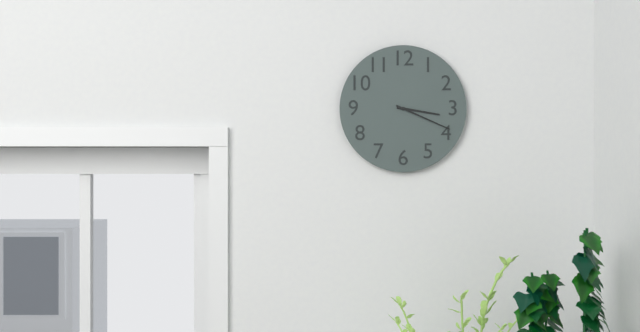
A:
3,19
